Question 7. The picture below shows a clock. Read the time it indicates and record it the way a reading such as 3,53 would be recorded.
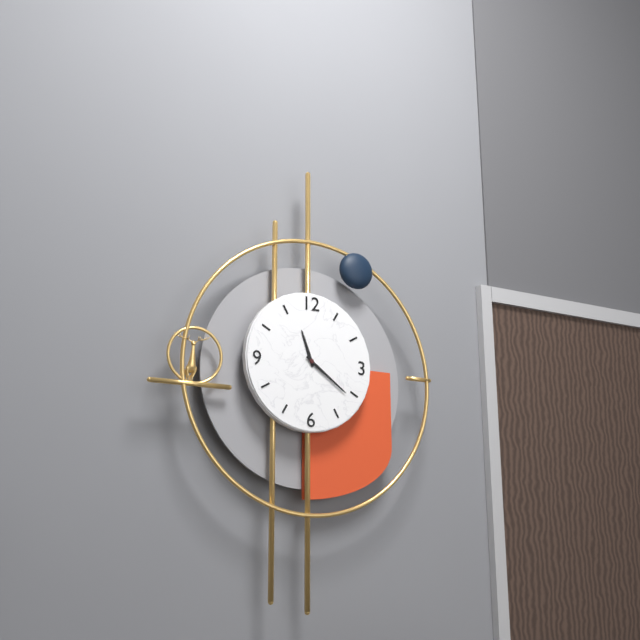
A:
11,21
